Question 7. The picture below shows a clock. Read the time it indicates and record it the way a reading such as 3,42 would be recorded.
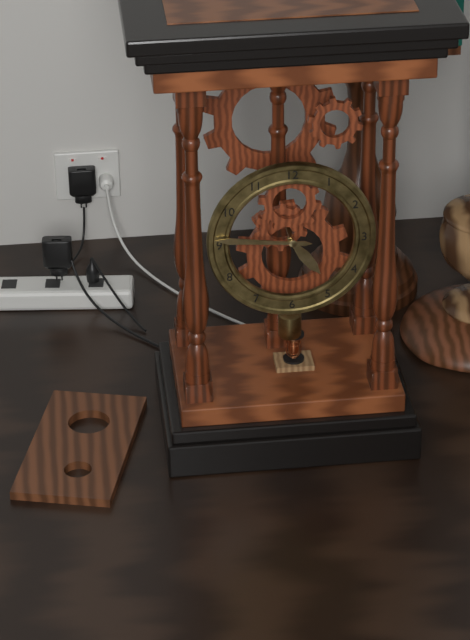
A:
4,46
